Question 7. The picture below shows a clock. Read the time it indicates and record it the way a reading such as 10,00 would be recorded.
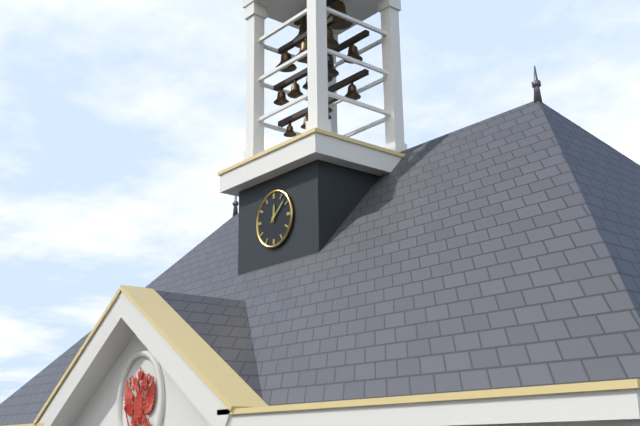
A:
12,08
